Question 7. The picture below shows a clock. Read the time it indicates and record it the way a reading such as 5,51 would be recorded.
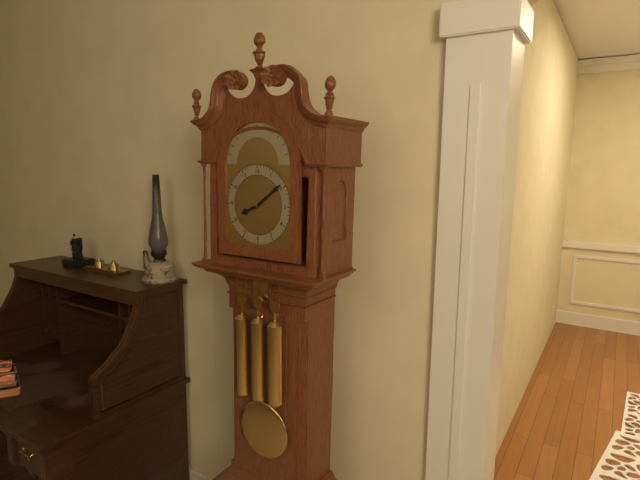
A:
8,09
